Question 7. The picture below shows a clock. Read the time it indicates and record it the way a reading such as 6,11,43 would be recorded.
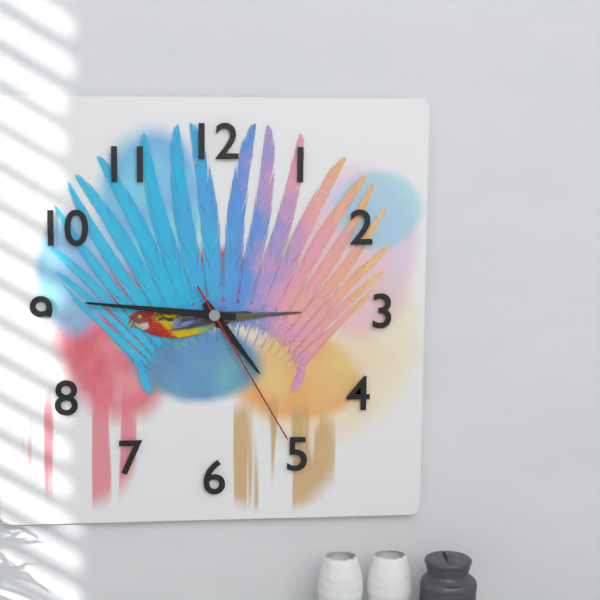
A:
4,46,25
